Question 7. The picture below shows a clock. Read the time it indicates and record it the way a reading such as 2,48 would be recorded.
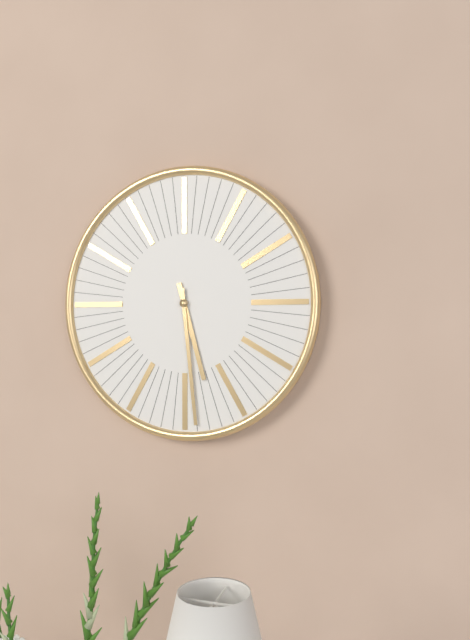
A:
5,29
